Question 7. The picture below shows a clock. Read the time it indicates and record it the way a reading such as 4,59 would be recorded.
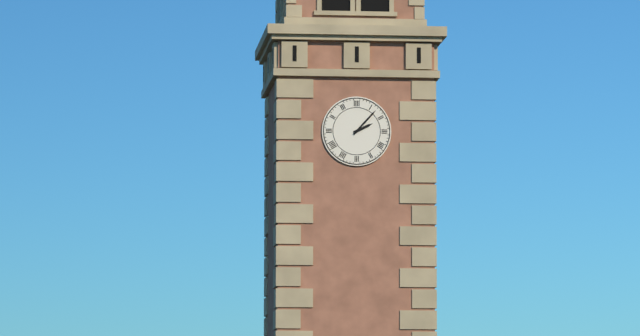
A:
2,07
